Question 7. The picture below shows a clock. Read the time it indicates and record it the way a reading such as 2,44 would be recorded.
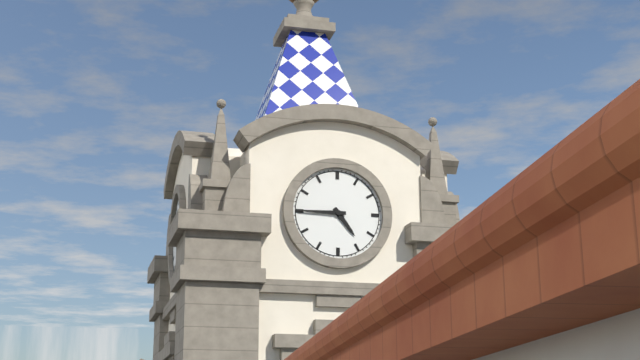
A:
4,45
